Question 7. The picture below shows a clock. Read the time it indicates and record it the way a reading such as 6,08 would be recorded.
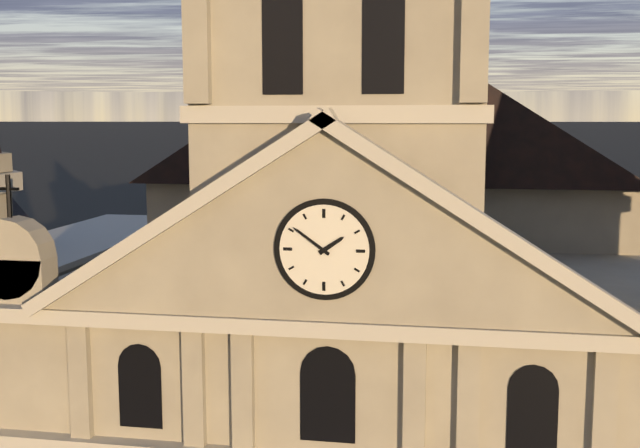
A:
1,51
